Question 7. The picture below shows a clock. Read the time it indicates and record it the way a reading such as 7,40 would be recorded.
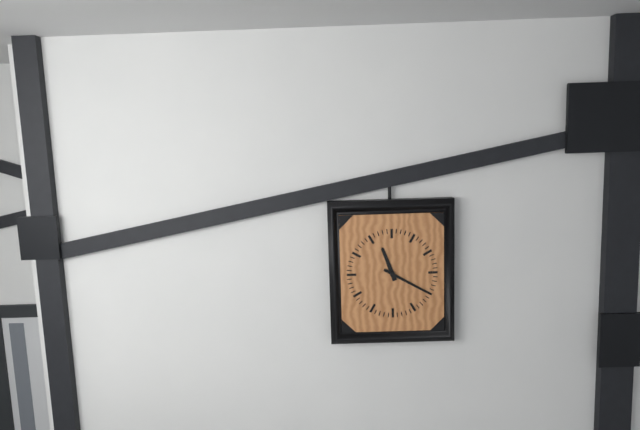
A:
11,20
